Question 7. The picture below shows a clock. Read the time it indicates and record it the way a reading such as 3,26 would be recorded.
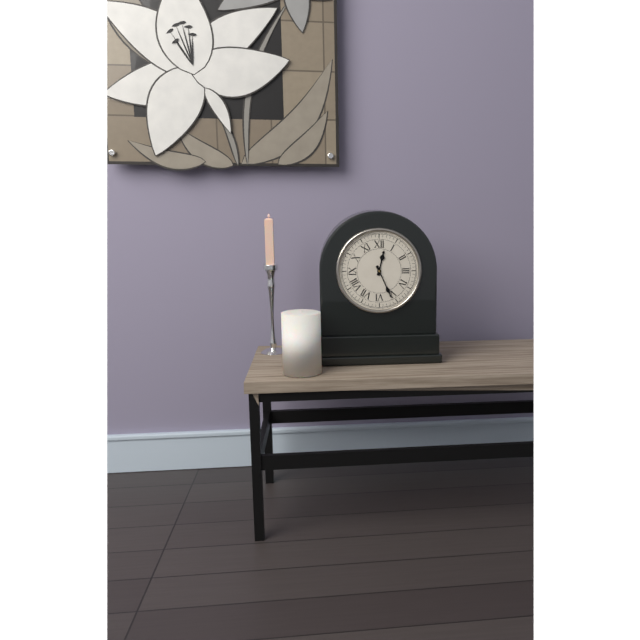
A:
12,26
